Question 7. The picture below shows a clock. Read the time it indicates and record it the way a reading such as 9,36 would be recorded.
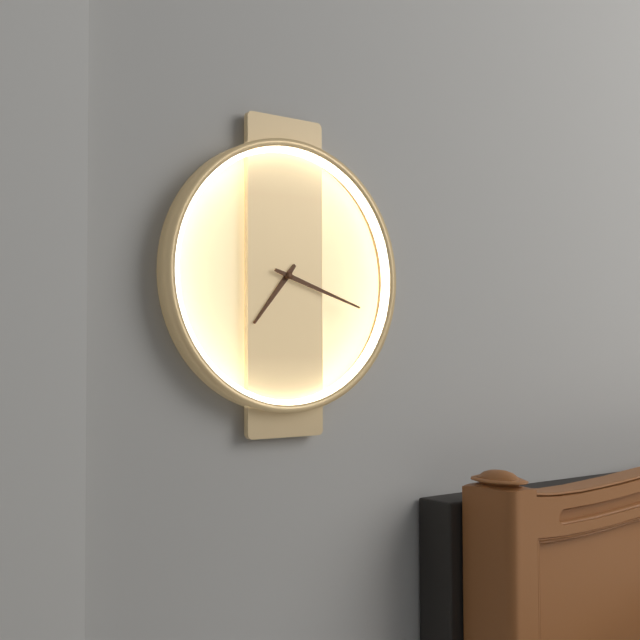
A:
7,18
